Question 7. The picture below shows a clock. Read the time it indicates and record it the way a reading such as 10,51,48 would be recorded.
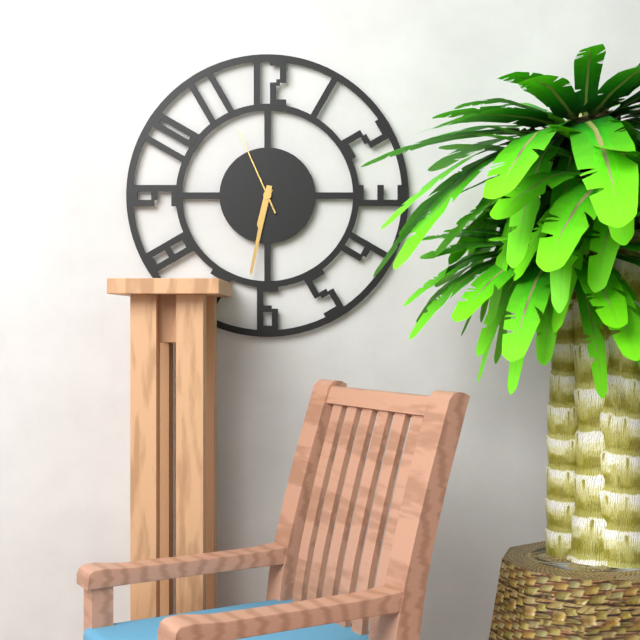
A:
6,32,56
